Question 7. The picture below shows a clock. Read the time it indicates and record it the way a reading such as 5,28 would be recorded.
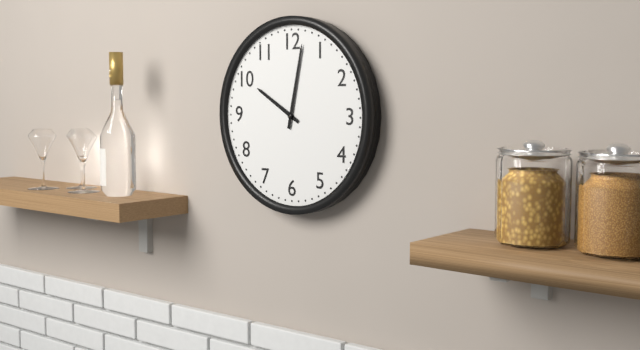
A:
10,02
